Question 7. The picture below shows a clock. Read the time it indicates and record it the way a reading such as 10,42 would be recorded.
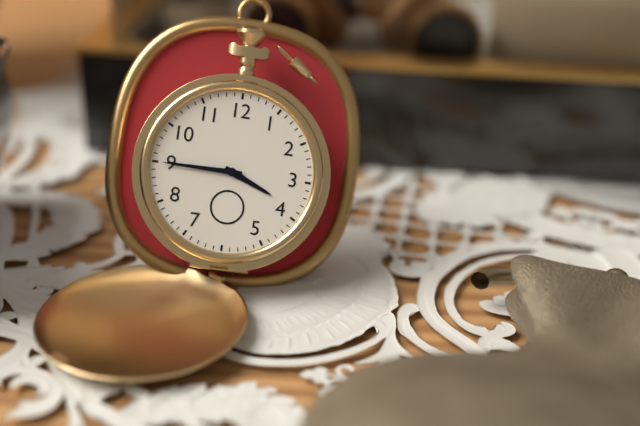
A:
3,45
